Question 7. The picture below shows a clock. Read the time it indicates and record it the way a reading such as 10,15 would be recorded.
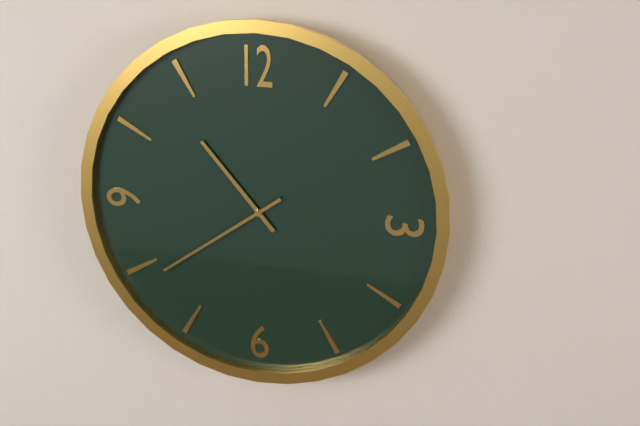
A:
10,39
